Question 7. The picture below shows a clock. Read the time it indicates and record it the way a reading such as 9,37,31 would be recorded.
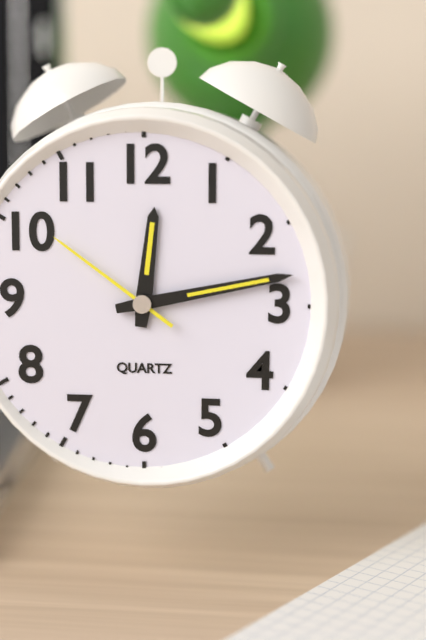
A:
12,13,51
